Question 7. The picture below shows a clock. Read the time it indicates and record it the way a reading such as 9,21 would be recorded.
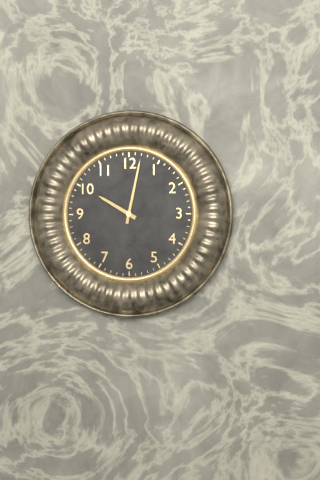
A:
10,02
